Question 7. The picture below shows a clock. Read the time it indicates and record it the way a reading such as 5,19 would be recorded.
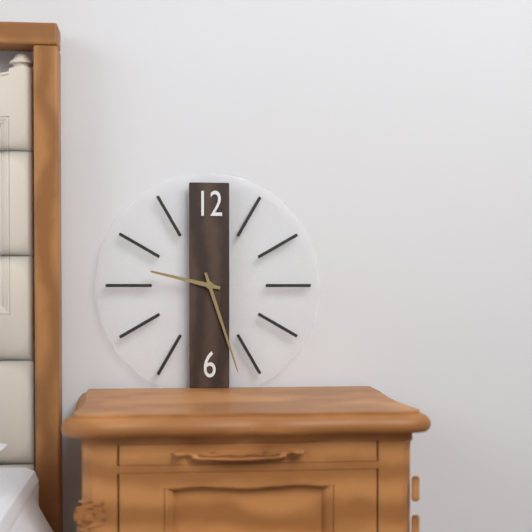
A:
9,27
